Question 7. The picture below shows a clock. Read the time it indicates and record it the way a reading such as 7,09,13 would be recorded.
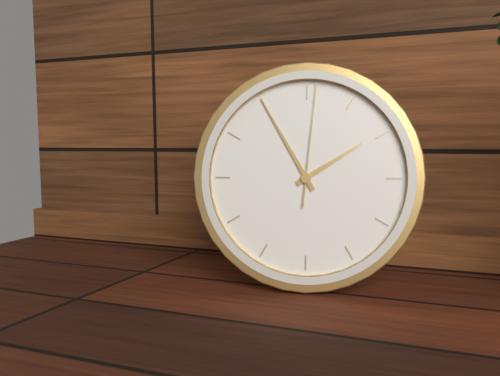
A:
1,55,01
